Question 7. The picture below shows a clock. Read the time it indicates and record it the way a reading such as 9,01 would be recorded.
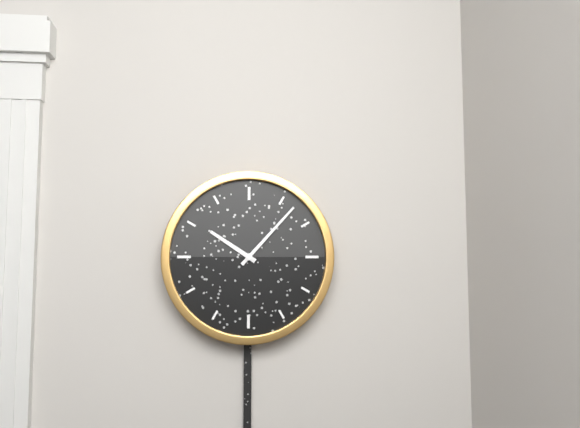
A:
10,07
